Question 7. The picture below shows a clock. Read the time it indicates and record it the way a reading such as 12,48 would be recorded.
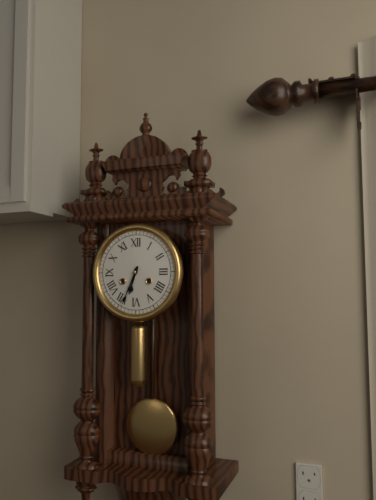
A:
6,34
